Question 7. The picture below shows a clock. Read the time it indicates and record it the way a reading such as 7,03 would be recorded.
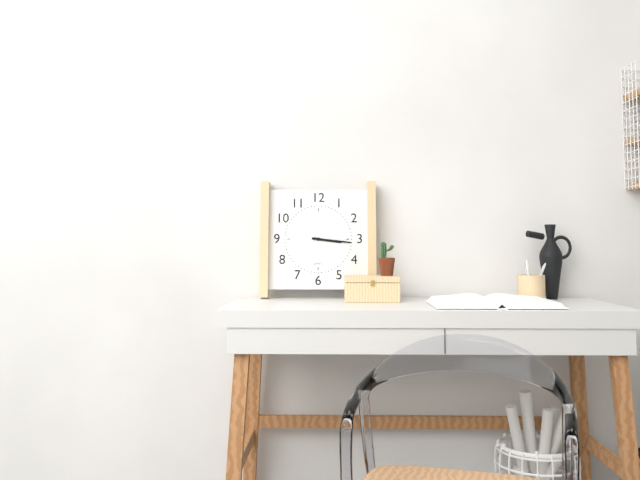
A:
3,16
